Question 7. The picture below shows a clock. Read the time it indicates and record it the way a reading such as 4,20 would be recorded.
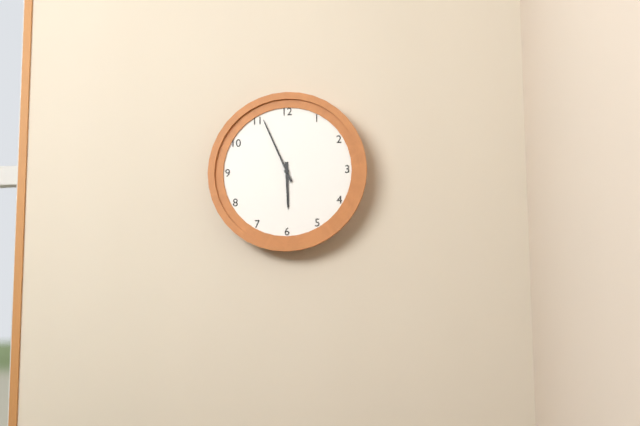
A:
5,56
